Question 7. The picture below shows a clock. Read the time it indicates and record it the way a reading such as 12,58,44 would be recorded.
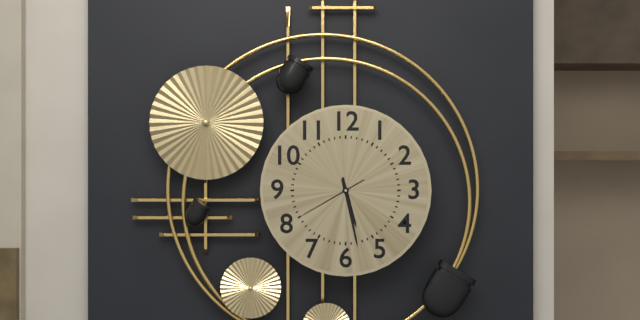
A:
5,28,40
